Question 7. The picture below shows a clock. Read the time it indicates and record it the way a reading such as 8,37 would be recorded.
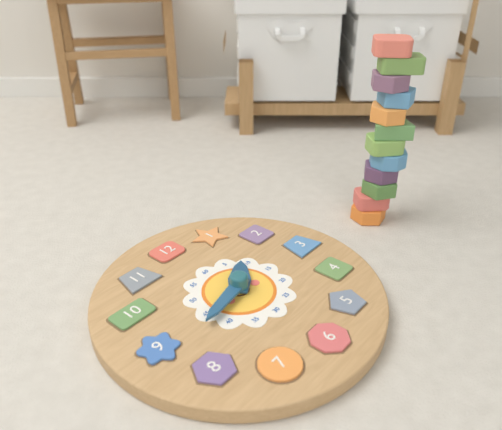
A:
1,43
